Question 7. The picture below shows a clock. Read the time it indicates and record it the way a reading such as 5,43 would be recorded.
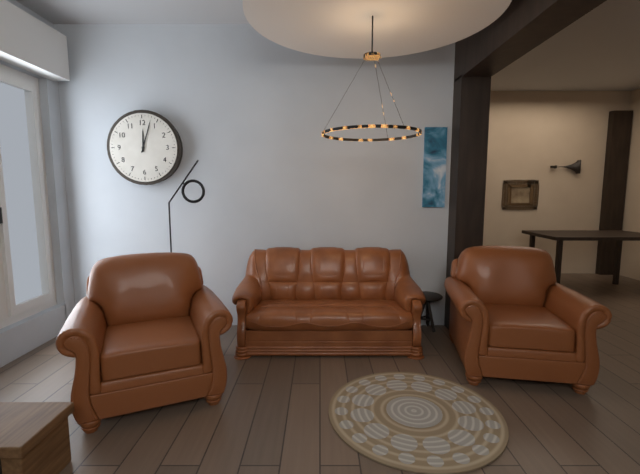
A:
12,03
